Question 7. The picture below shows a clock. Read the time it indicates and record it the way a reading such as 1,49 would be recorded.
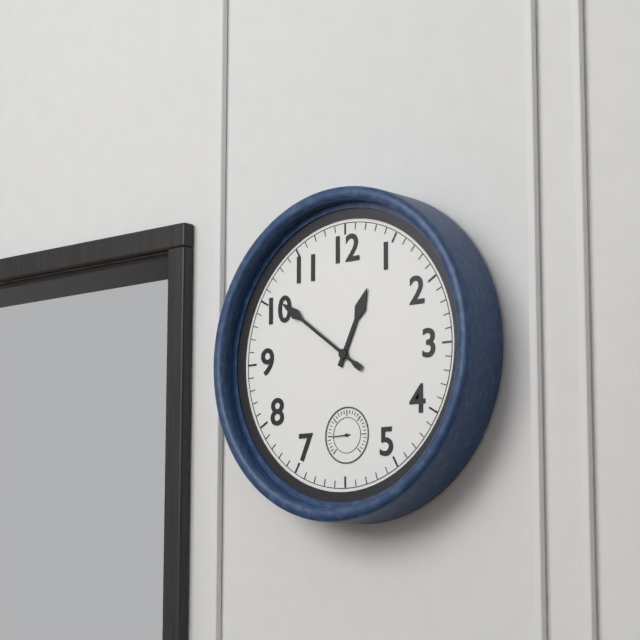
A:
12,51
